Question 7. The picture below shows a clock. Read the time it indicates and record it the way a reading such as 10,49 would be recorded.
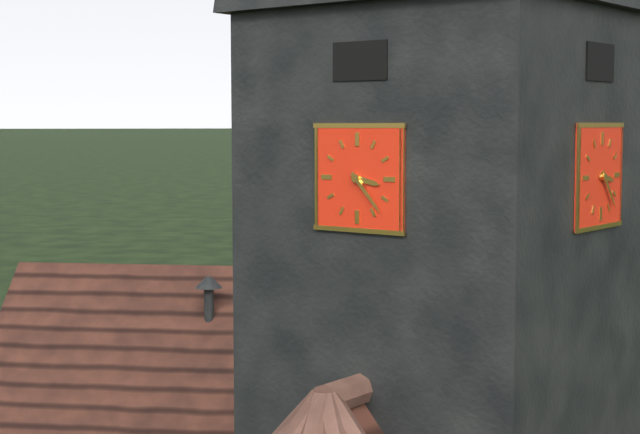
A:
3,23
